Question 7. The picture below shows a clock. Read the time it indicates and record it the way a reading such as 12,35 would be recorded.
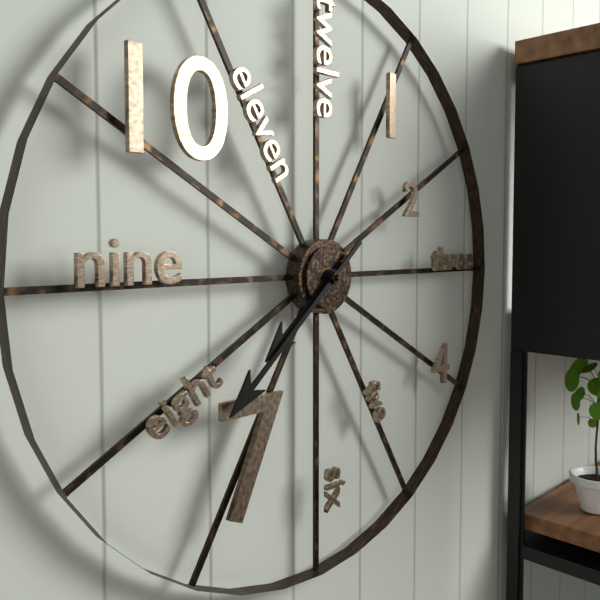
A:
7,38
